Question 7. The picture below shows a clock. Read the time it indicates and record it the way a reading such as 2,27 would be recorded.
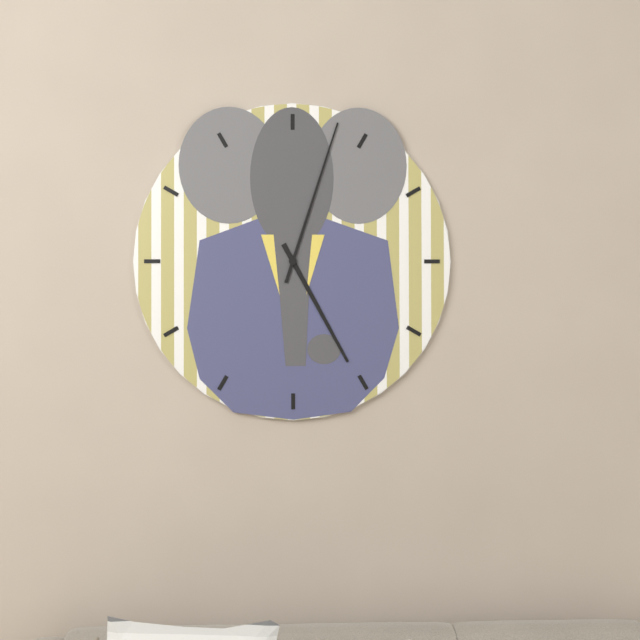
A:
5,03
